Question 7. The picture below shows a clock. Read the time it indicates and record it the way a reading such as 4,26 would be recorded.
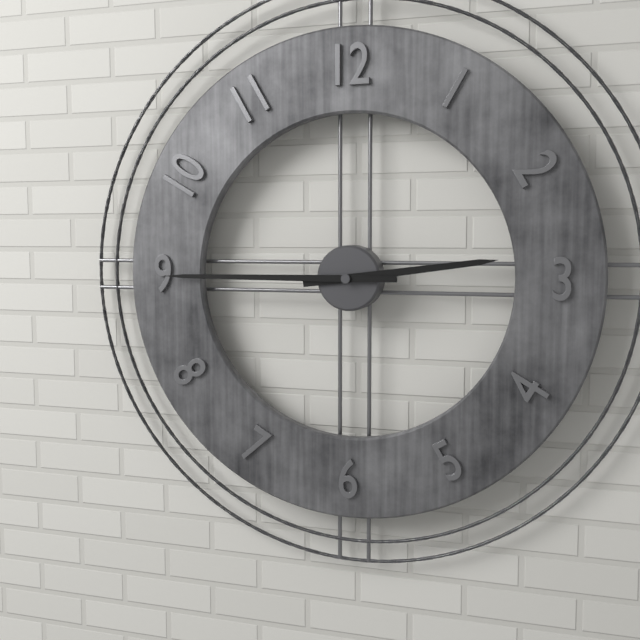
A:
2,45
